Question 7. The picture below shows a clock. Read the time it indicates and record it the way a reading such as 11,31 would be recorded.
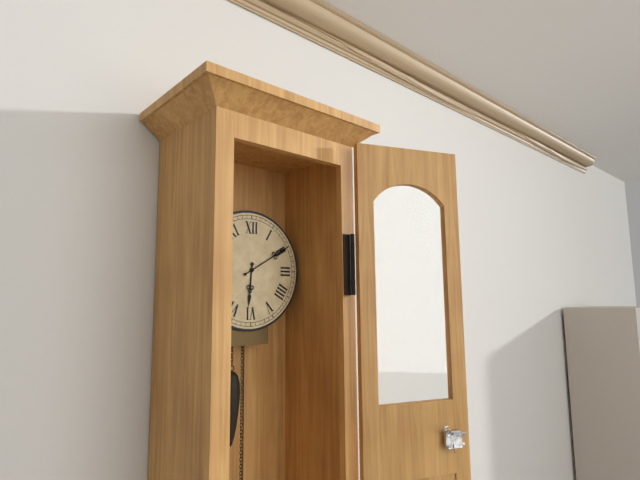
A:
6,10
